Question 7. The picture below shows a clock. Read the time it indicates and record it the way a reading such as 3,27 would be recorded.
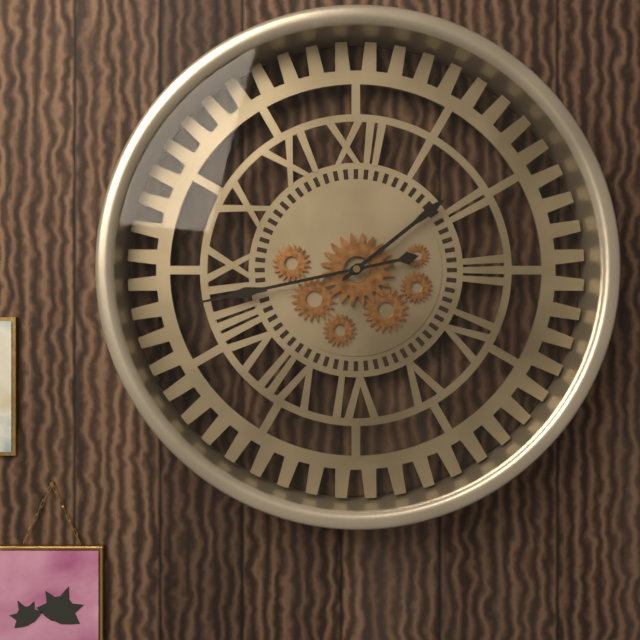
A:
1,43
